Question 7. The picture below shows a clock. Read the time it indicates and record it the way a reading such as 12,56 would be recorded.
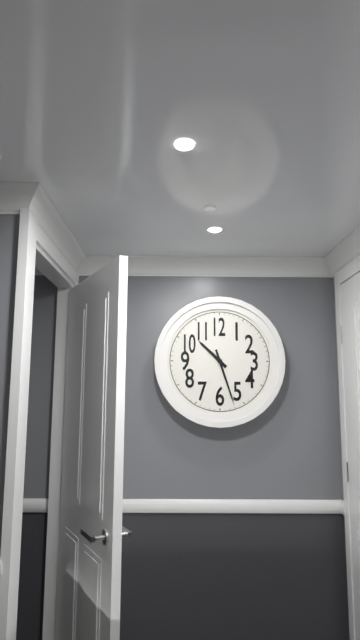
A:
10,27
